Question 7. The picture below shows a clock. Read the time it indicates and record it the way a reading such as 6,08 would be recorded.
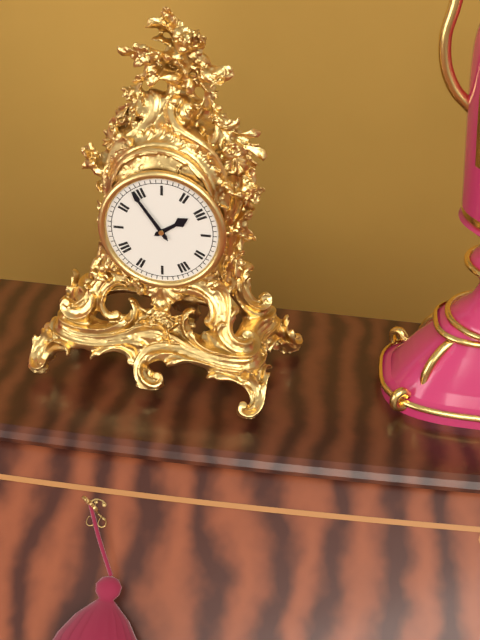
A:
1,54
